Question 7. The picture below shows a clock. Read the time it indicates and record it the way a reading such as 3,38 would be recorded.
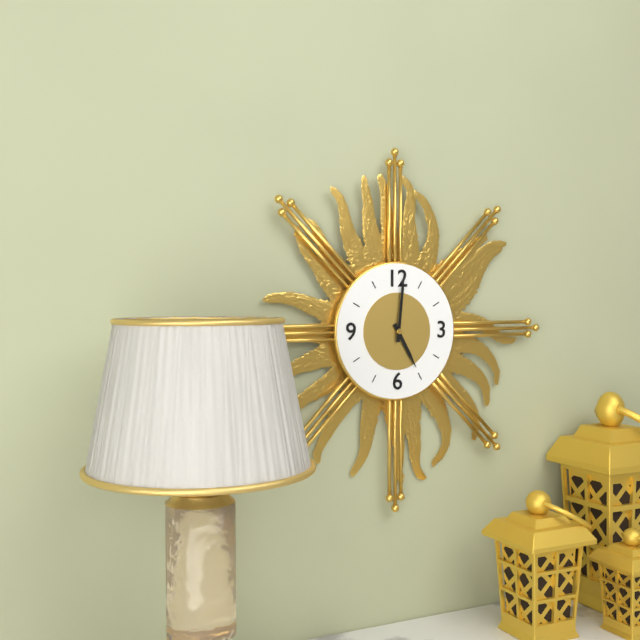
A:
5,01
